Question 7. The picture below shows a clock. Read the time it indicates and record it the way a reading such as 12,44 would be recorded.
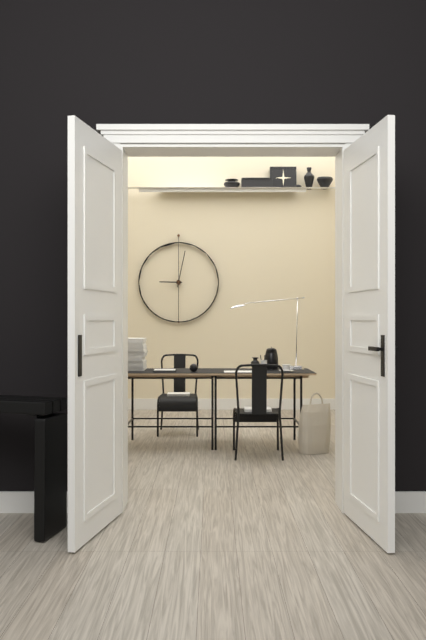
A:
9,02
